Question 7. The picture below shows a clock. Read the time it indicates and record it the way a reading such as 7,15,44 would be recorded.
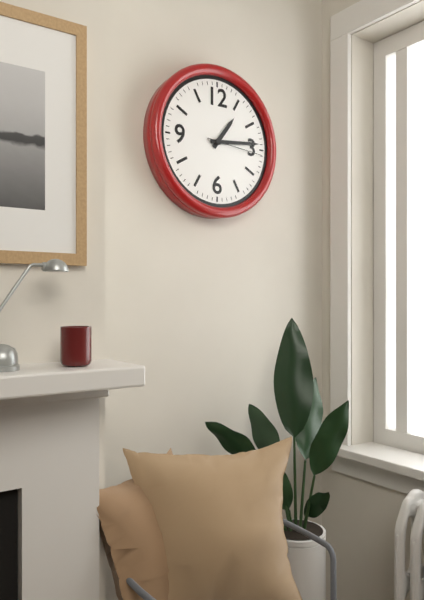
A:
1,14,16
